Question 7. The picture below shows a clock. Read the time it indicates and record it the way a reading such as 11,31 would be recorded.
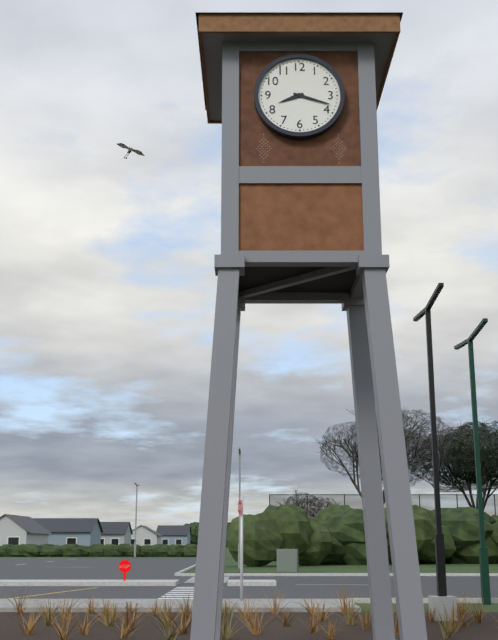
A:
8,18
